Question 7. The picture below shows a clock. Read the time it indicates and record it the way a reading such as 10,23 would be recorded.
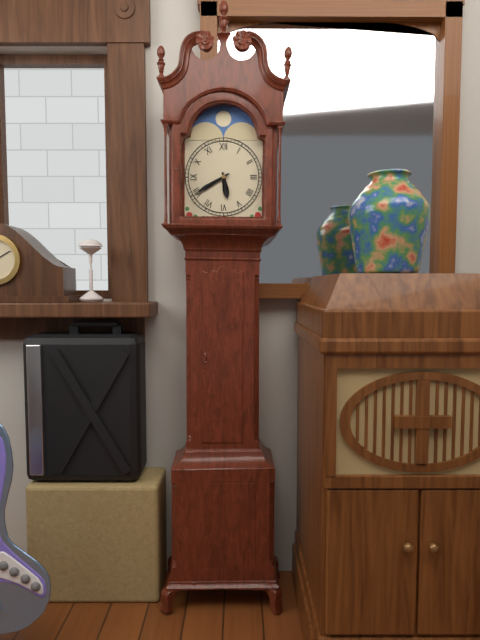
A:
5,40
